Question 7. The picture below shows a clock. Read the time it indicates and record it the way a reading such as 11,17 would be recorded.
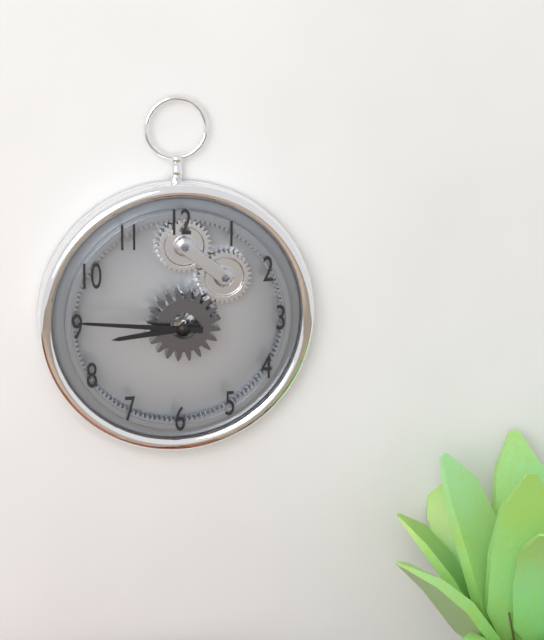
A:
8,46
